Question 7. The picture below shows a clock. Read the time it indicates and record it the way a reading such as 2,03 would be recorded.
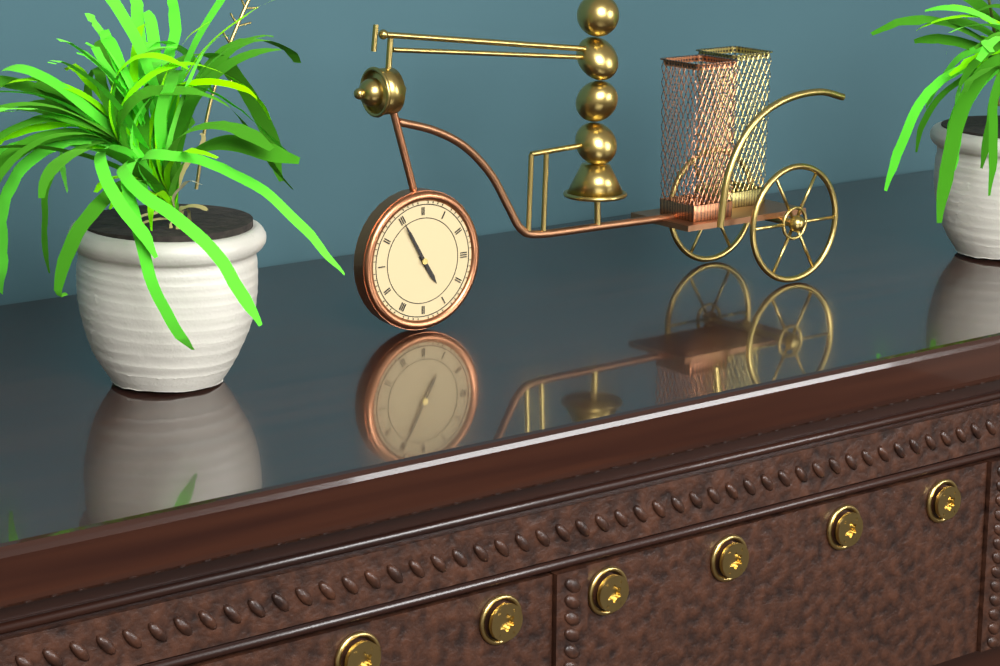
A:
4,55
